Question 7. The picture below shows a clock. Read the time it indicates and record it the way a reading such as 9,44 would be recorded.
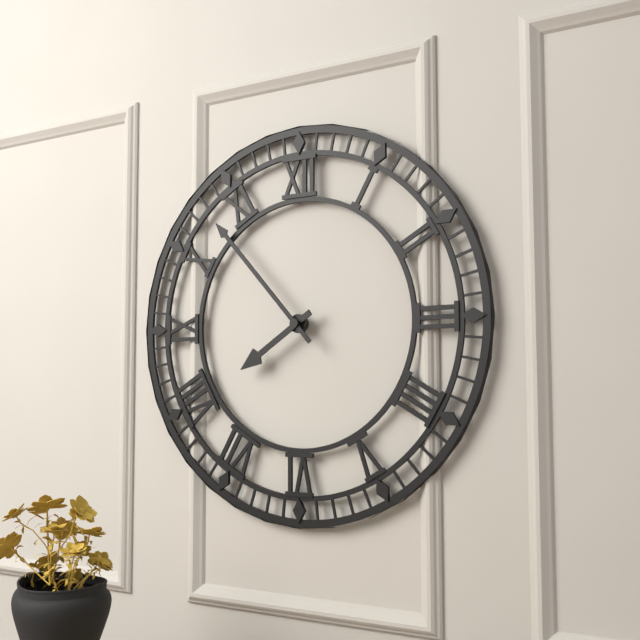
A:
7,53
